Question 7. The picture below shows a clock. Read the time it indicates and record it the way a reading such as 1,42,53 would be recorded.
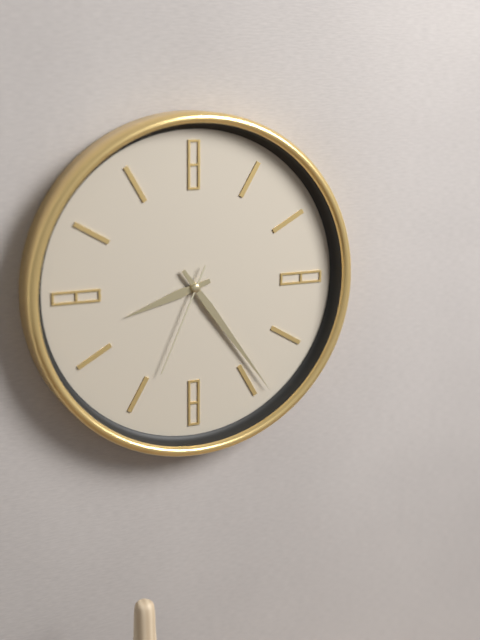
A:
8,24,34
